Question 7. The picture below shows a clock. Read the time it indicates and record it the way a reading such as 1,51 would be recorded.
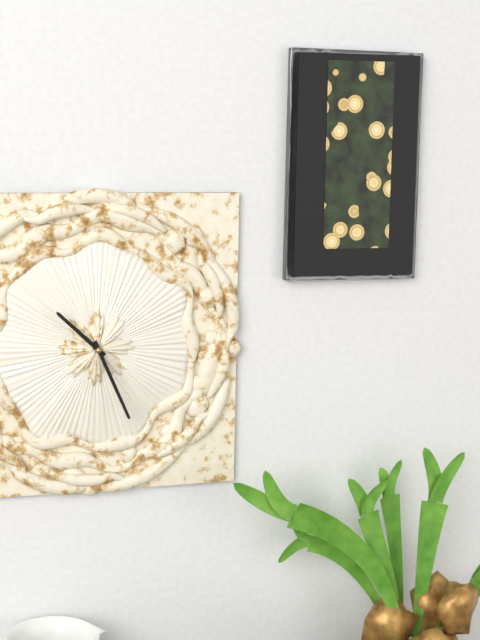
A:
10,26
